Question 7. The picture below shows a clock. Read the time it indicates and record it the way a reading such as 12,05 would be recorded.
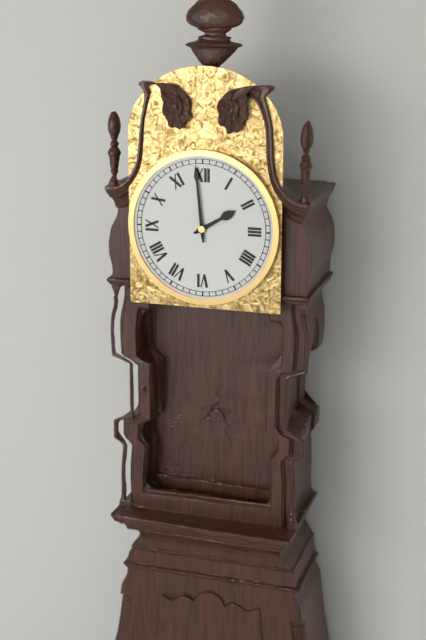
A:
1,59
